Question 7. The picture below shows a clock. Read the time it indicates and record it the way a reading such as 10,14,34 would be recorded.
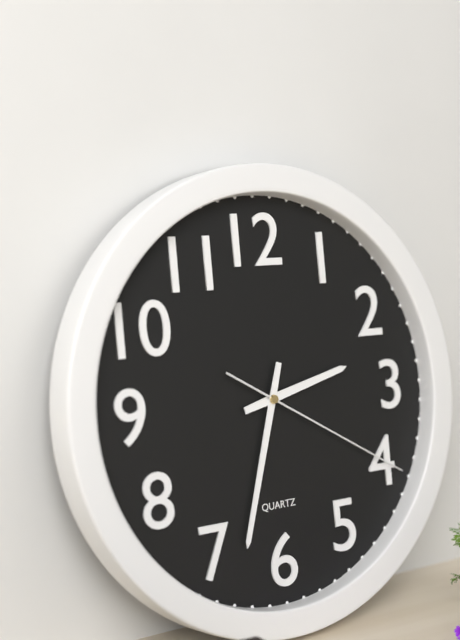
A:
2,33,20
